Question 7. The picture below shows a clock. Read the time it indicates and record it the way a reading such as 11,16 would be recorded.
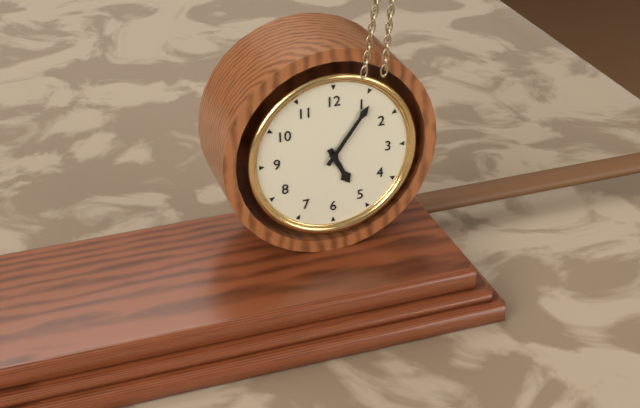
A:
5,06
